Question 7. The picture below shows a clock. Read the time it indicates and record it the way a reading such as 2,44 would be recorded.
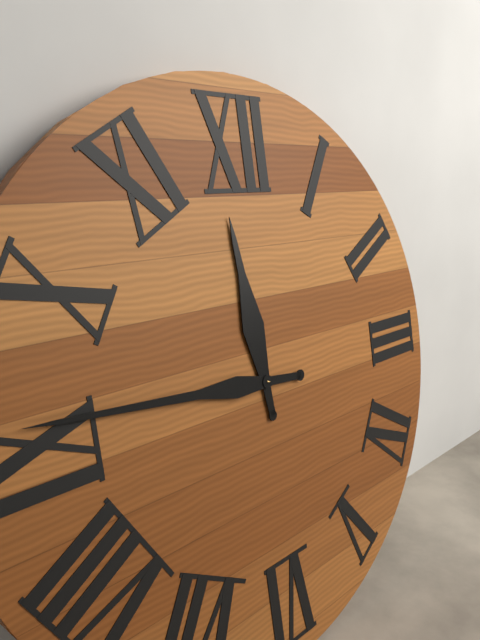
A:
11,46
